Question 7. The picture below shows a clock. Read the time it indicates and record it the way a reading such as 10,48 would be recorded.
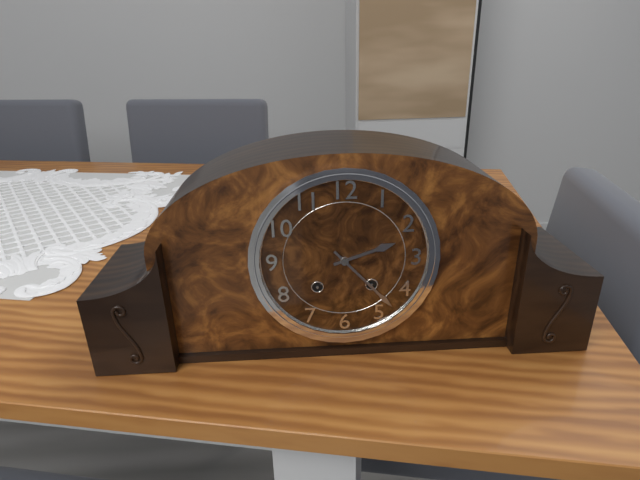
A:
2,23
